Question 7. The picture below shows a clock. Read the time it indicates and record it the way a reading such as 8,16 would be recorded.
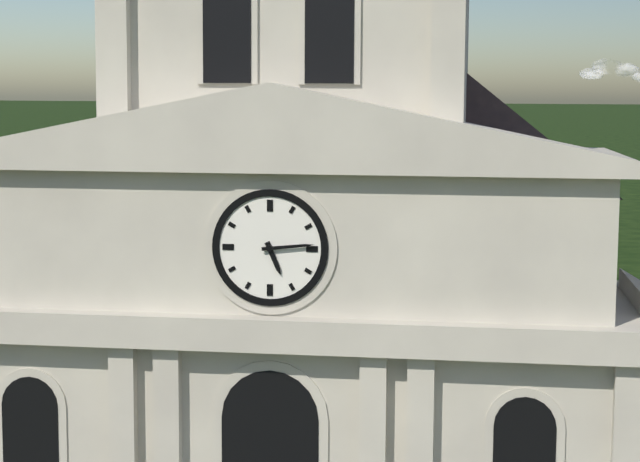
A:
5,14
